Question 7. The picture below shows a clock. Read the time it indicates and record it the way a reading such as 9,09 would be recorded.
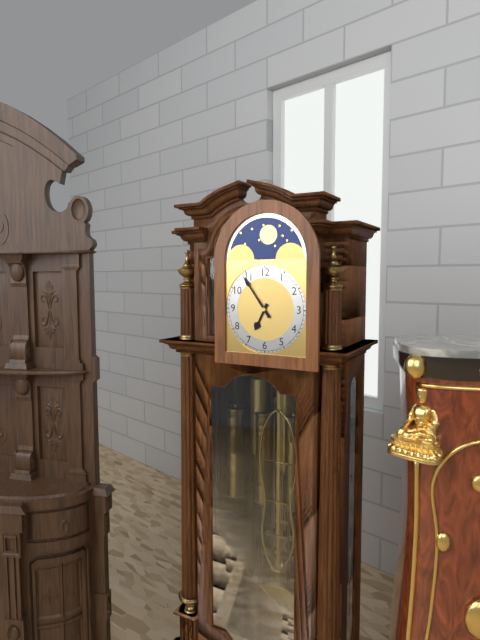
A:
6,54
